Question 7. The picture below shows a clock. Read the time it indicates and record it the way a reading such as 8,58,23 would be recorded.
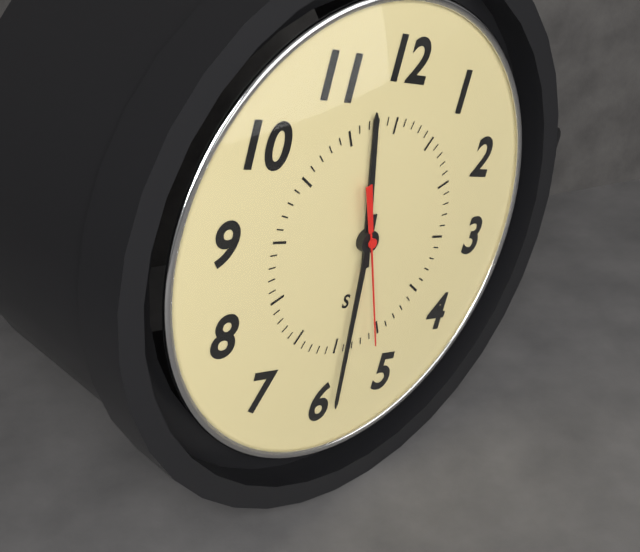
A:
11,29,26
